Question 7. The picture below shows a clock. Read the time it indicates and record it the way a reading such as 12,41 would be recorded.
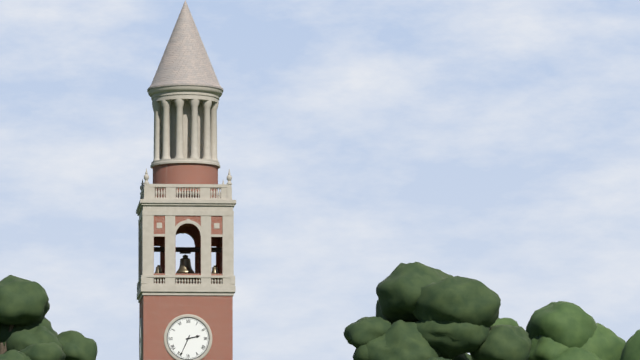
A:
2,34
